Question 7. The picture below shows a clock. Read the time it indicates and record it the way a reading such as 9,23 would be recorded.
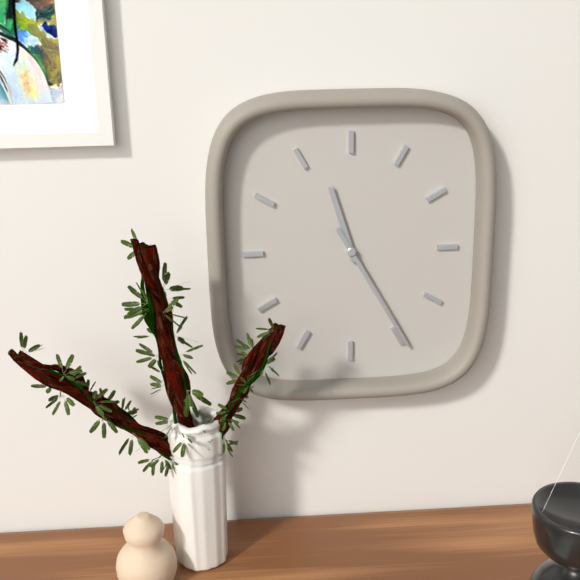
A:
11,25
